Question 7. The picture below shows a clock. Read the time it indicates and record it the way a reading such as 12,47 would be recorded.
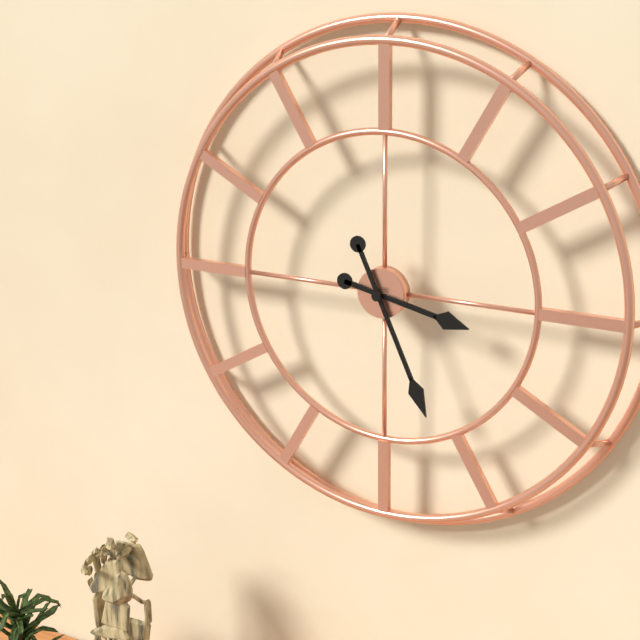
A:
3,26
